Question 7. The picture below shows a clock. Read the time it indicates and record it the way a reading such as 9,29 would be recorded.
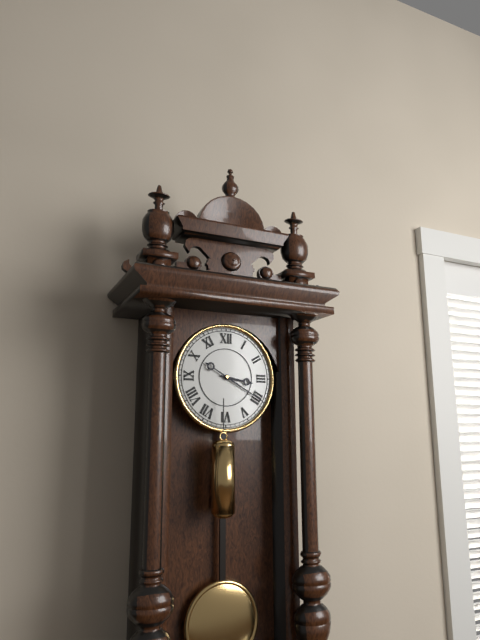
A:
3,20
